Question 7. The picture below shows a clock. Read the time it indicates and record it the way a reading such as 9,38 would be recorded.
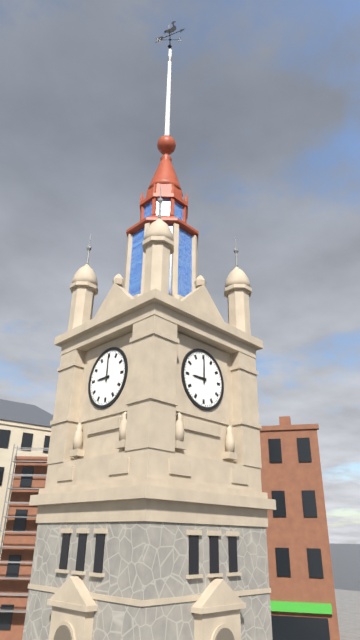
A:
9,00
